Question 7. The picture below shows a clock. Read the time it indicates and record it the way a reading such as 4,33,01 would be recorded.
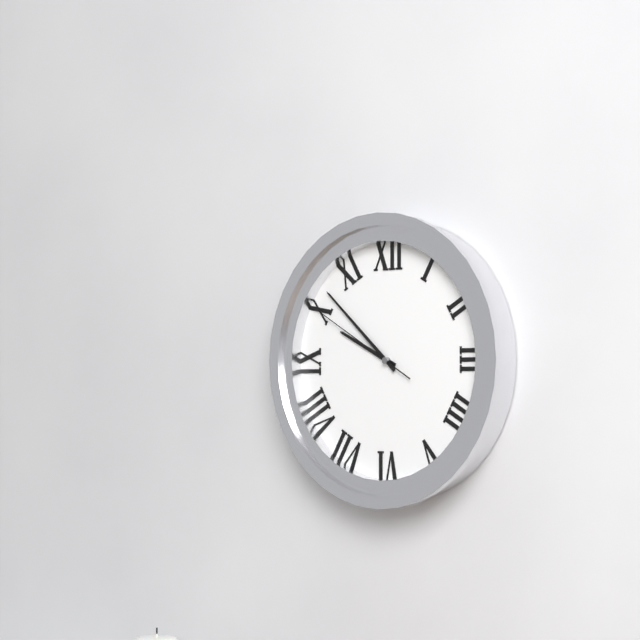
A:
9,52,50
